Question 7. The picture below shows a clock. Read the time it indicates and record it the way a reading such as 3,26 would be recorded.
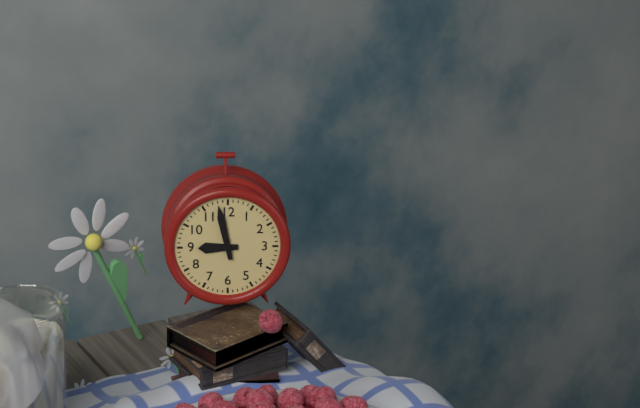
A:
8,58
